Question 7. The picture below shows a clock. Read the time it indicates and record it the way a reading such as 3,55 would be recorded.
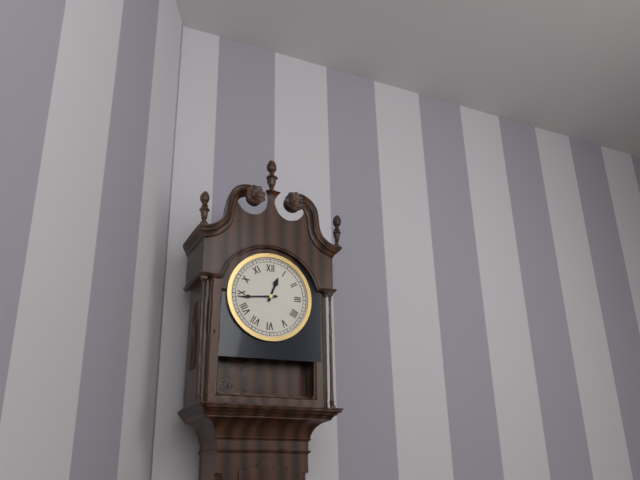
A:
12,44
